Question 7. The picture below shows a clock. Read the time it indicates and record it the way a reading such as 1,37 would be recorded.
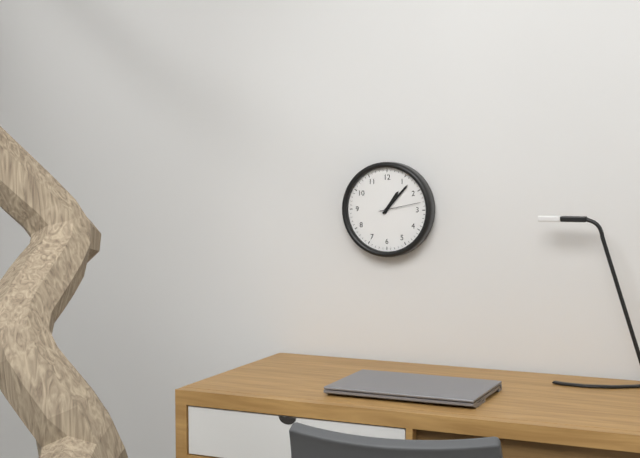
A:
1,07
